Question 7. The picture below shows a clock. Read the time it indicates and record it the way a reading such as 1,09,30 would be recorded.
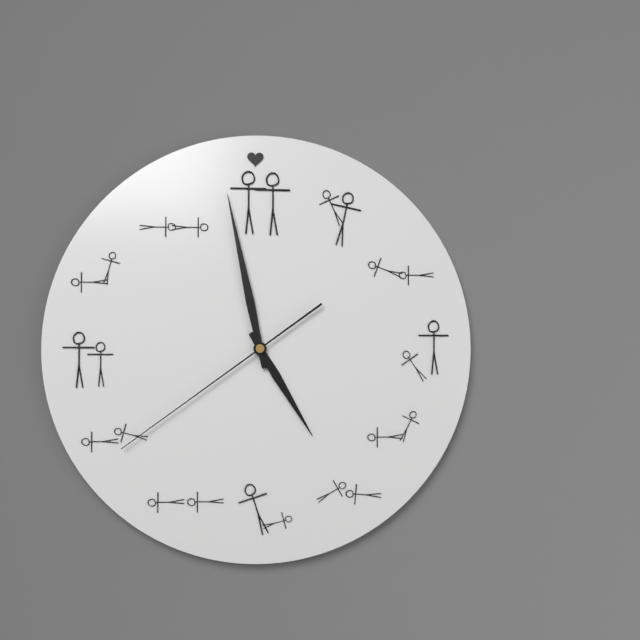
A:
4,58,39
